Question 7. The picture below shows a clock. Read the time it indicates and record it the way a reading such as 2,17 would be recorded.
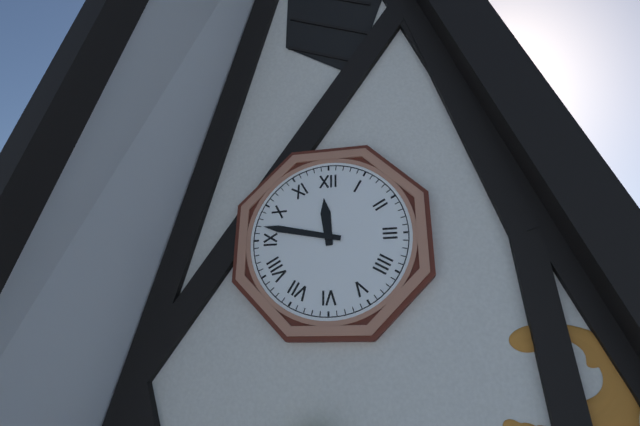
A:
11,47
